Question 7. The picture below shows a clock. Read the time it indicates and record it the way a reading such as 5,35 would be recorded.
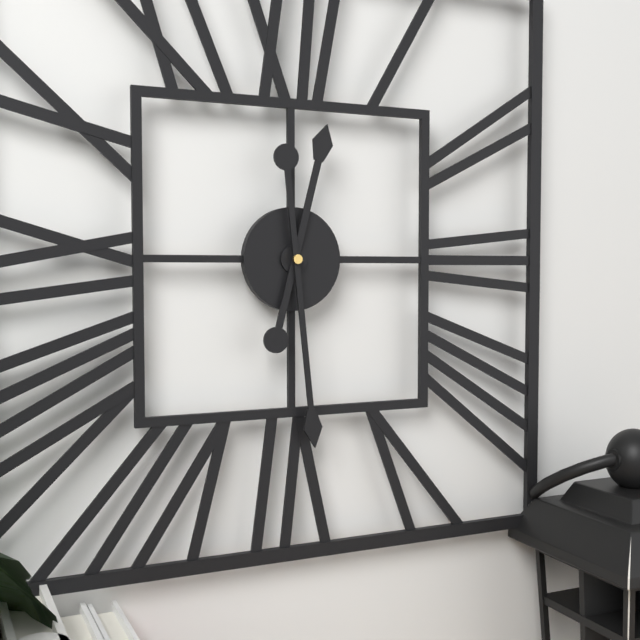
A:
12,29
